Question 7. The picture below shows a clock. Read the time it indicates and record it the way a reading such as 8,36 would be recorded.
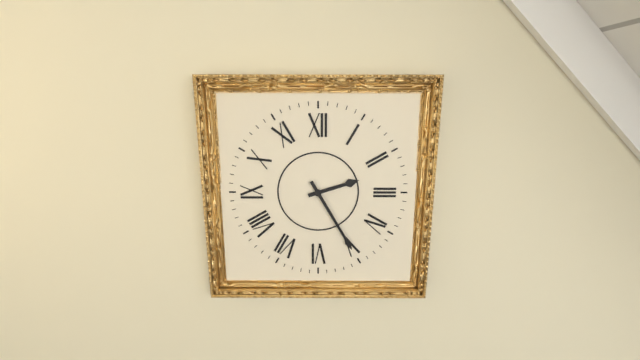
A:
2,25
